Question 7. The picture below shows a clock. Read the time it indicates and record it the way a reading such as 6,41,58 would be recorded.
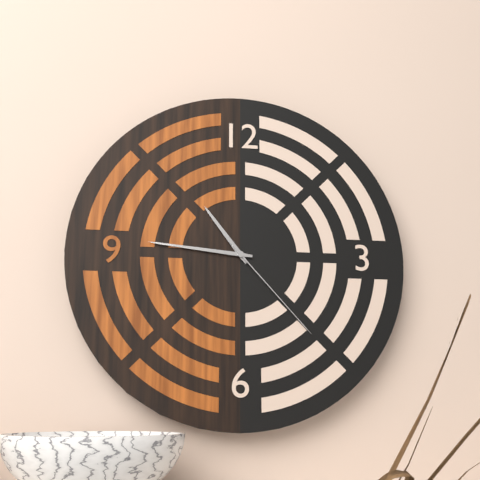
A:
10,46,23
